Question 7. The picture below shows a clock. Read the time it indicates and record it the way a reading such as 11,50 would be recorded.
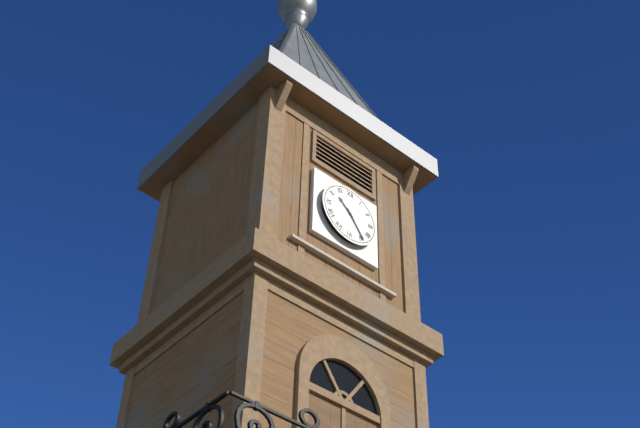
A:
10,24
